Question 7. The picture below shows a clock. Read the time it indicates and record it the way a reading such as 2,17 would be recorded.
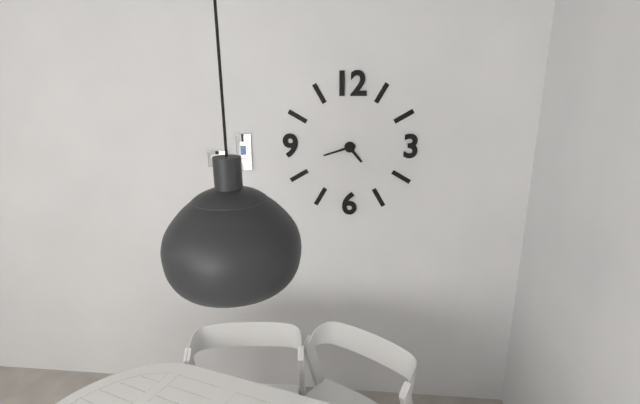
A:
4,42
